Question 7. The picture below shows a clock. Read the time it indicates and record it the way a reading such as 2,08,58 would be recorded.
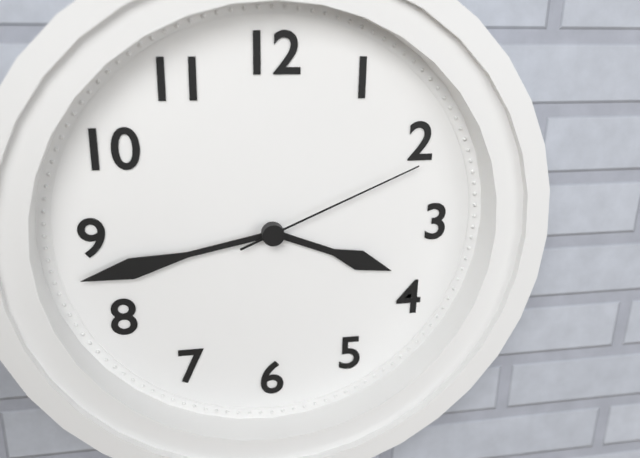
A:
3,43,11
